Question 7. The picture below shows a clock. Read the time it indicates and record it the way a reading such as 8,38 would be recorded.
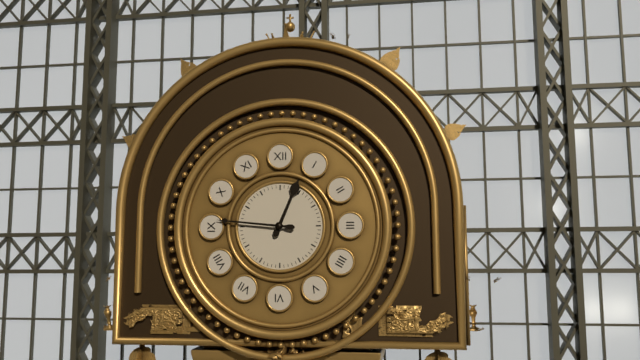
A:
12,46
